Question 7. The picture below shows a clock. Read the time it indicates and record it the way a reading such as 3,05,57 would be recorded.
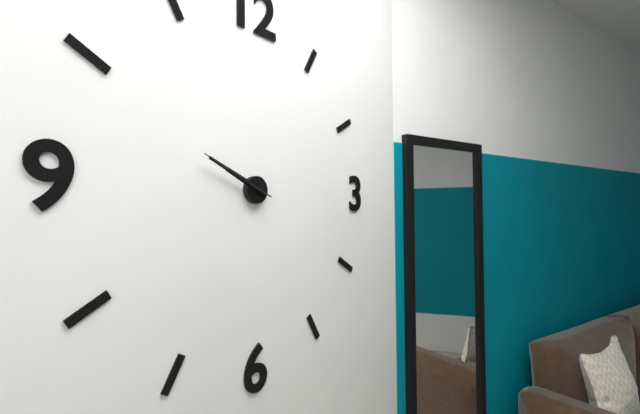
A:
9,49,49
